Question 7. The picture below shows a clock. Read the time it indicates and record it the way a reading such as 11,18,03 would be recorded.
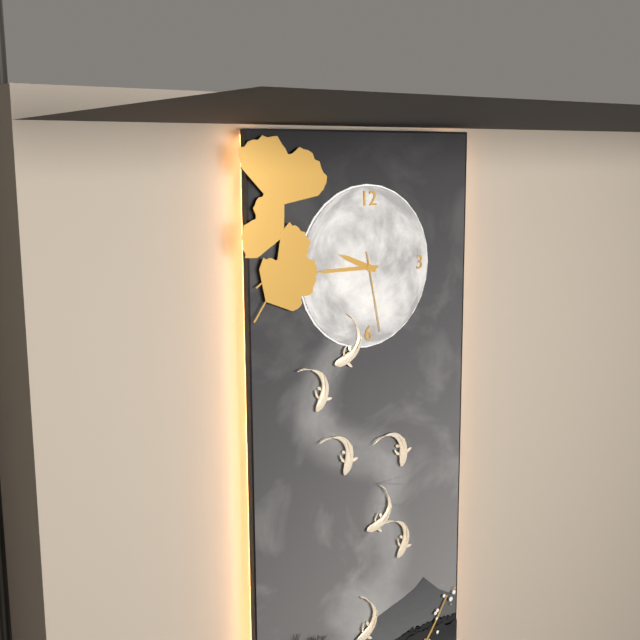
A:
9,45,28
